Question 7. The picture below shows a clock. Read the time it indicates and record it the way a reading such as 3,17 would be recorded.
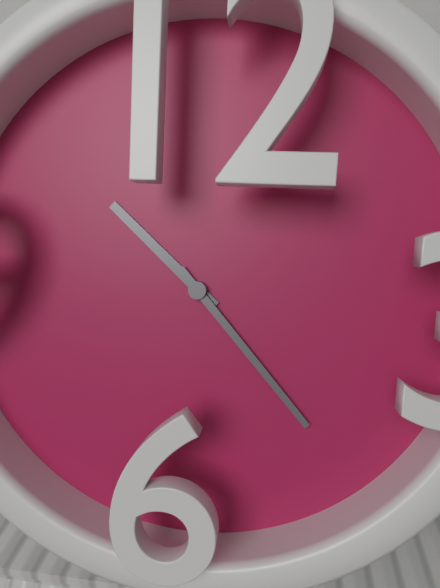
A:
10,23
